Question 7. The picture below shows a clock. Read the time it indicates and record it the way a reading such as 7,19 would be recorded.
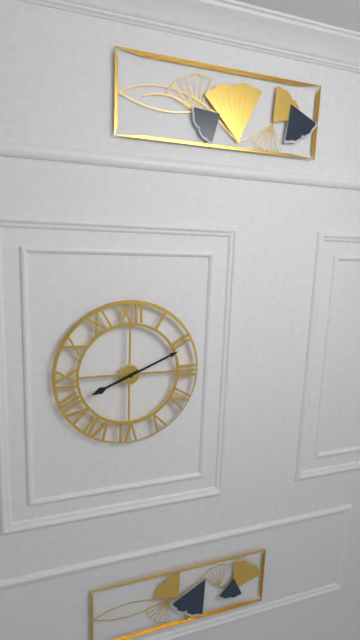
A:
8,11
